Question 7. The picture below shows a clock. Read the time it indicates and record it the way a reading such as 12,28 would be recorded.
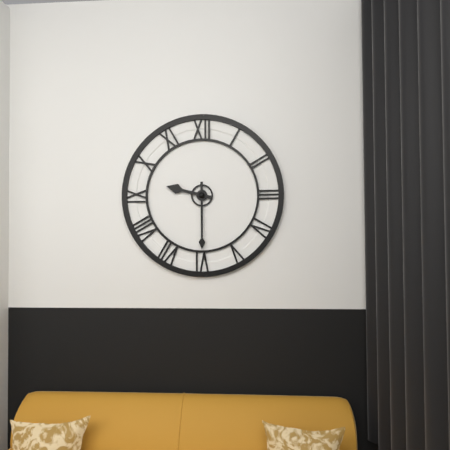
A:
9,30
